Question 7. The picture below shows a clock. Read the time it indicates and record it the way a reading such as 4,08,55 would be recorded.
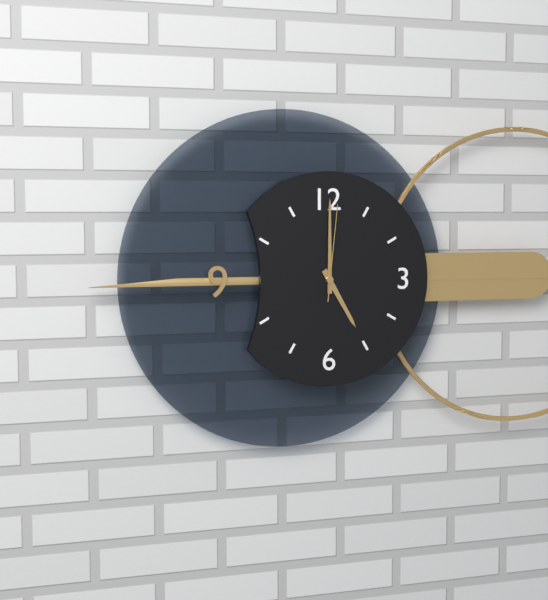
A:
5,00,01
